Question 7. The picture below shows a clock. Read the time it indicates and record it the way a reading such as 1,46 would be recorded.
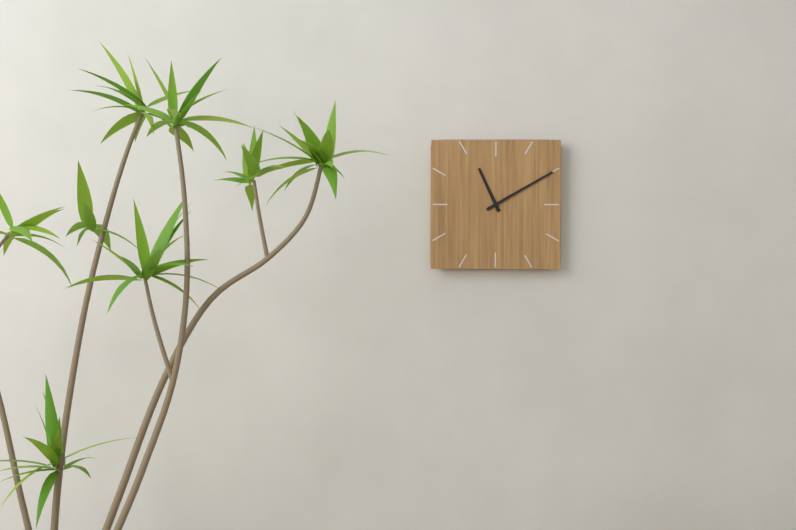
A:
11,10
